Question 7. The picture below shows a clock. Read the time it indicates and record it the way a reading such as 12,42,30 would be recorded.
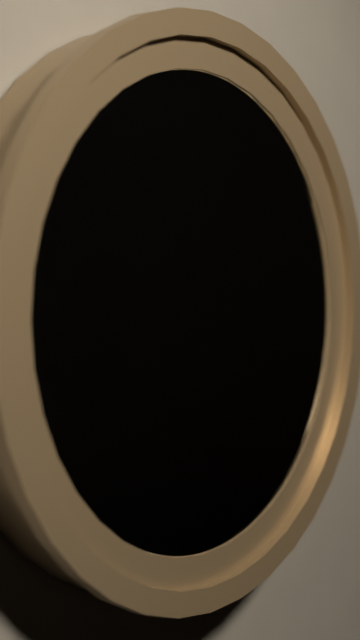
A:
8,59,01
